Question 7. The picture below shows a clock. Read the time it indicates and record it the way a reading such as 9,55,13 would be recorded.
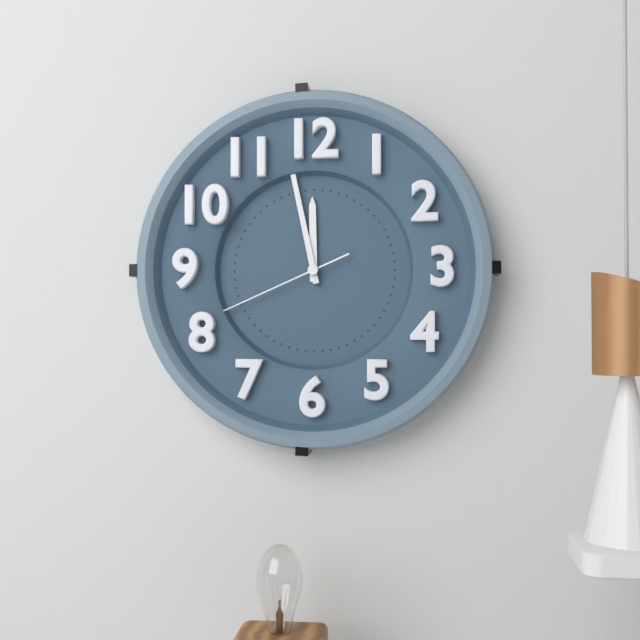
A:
11,58,41
